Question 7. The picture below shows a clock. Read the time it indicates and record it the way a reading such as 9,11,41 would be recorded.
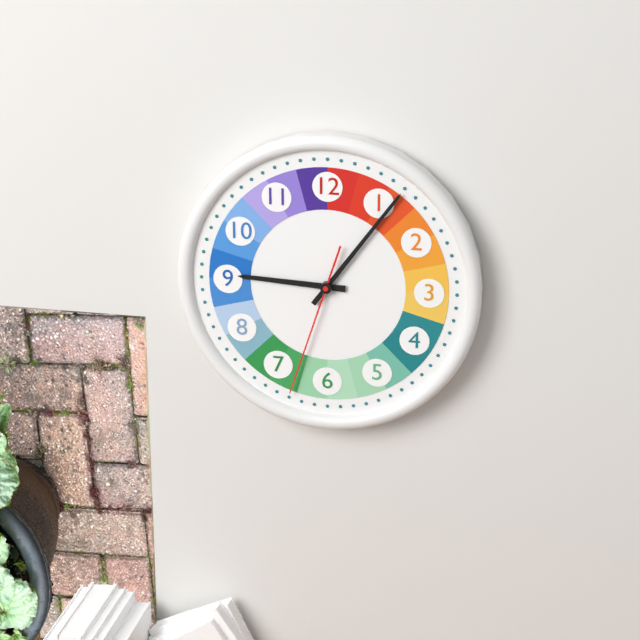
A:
9,06,33
